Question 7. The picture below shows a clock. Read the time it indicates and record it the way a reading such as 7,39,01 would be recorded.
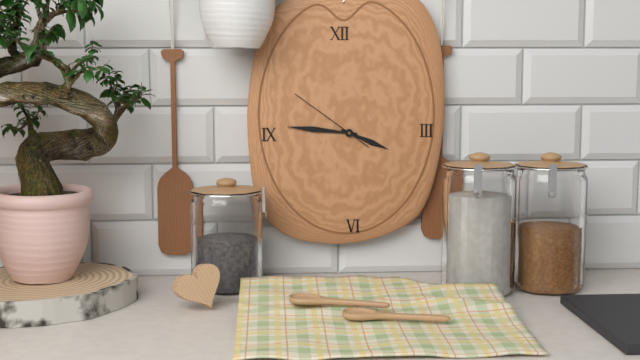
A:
3,46,51
